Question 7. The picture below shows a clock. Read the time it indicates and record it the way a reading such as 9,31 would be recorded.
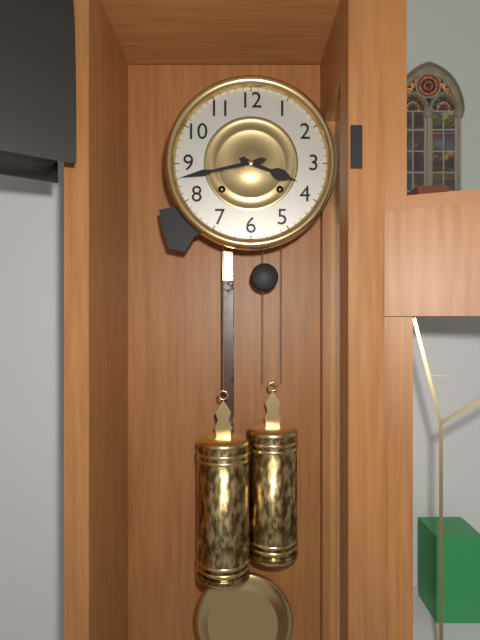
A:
3,43
